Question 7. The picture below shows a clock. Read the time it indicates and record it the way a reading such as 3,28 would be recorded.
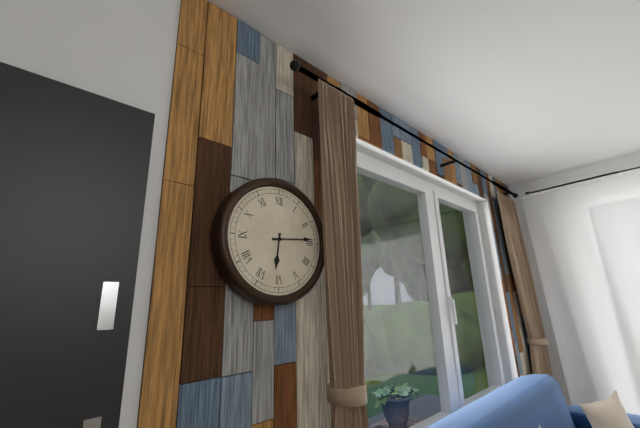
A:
6,14
